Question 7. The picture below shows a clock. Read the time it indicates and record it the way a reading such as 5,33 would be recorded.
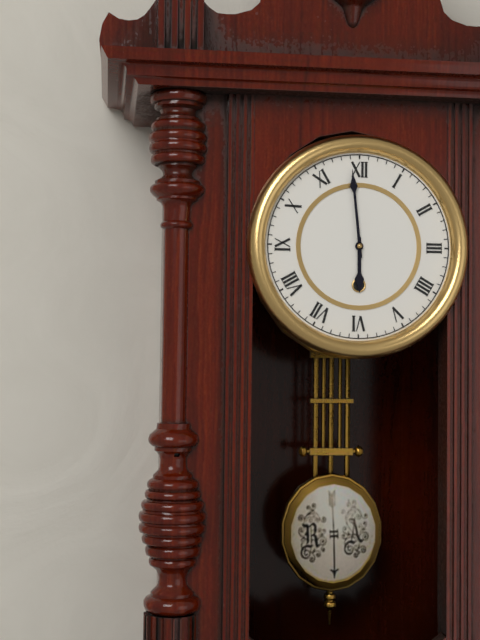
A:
5,59
